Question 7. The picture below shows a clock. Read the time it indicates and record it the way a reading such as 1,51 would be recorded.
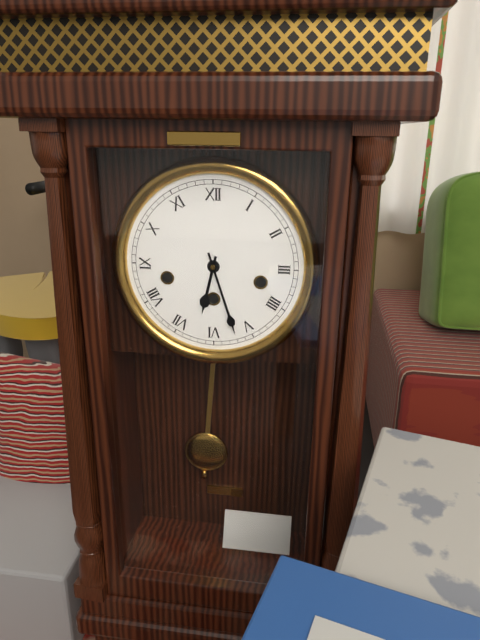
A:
6,27
